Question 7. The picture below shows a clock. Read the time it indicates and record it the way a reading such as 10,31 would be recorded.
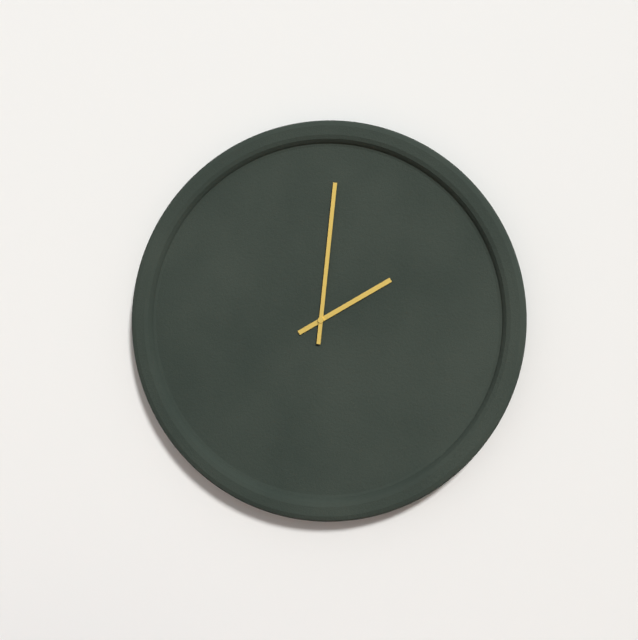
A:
2,01
